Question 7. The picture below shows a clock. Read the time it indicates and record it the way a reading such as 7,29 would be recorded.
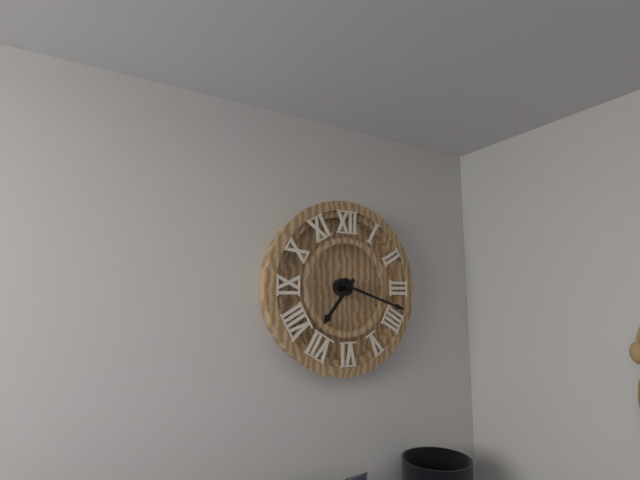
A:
7,18
